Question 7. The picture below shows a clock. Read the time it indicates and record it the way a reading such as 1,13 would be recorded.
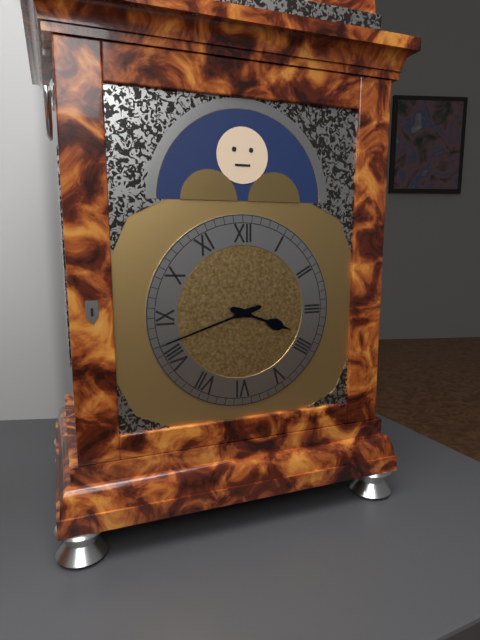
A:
3,42
